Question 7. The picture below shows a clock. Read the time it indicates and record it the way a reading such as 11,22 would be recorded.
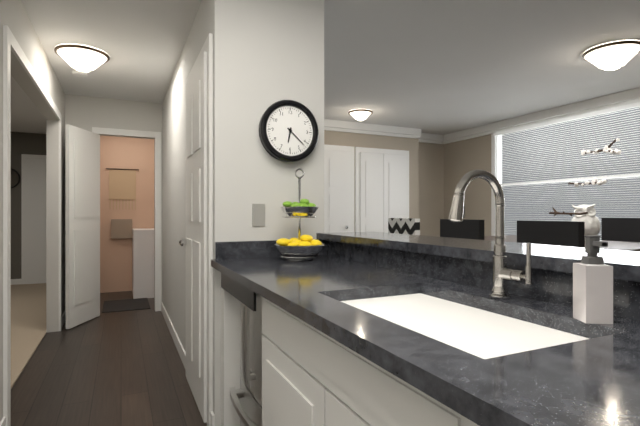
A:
6,22
